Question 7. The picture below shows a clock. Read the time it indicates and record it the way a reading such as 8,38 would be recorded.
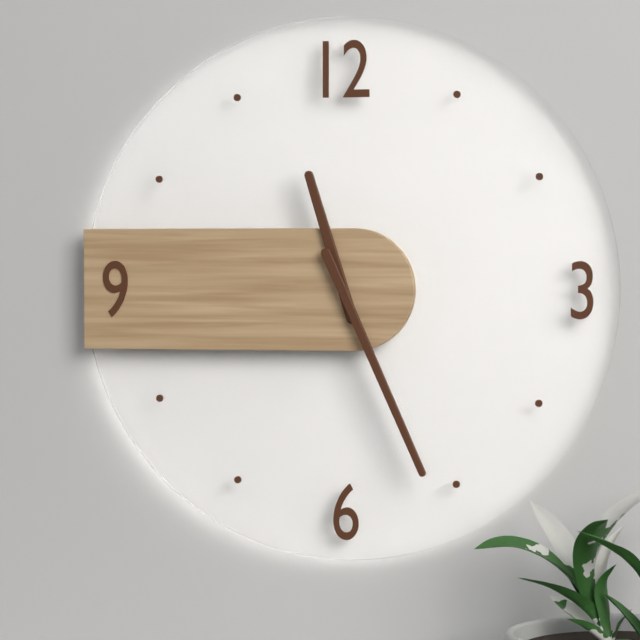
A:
11,26
